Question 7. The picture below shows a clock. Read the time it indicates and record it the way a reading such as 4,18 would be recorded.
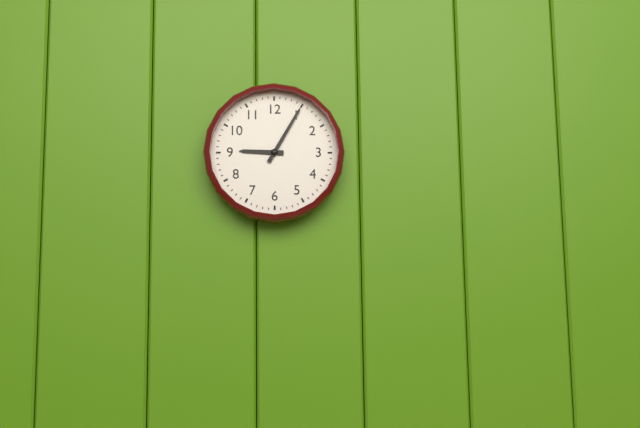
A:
9,05
